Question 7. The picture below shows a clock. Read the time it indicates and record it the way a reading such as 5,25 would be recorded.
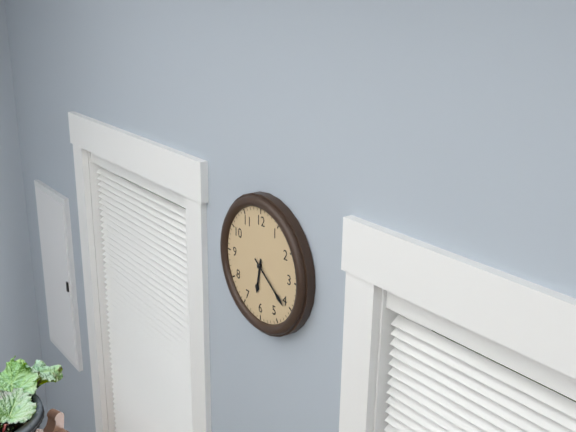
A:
6,21
